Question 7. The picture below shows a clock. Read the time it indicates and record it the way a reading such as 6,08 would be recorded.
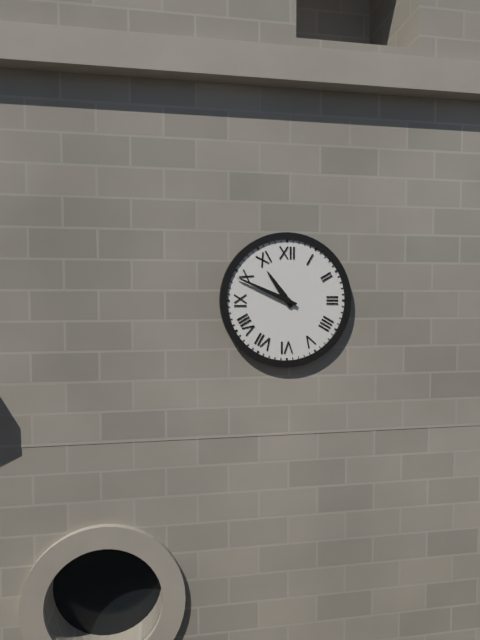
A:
10,49
